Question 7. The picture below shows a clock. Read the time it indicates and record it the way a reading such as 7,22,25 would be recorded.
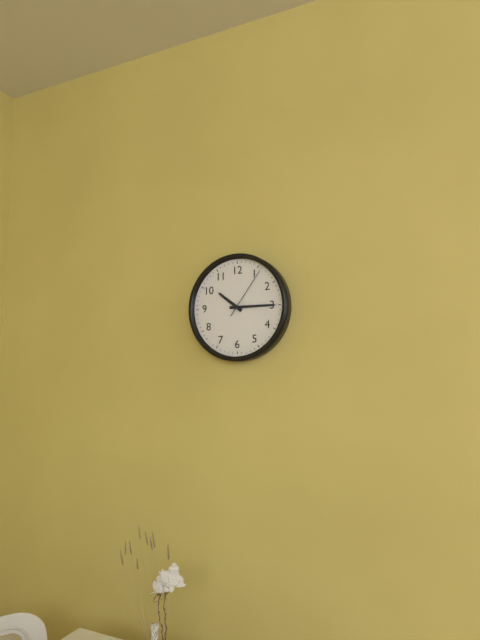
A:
10,15,06
